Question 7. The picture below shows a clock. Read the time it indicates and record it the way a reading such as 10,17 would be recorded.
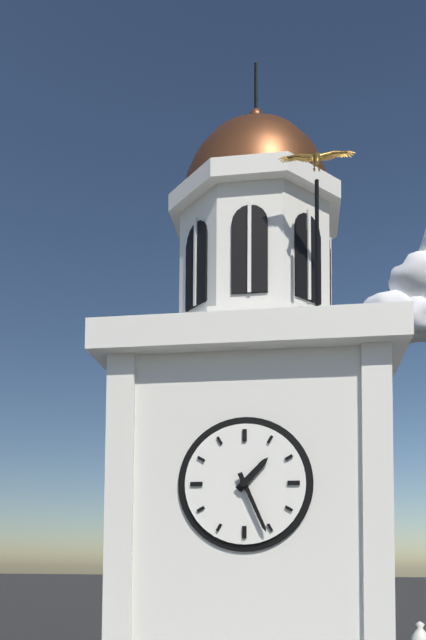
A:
1,26
